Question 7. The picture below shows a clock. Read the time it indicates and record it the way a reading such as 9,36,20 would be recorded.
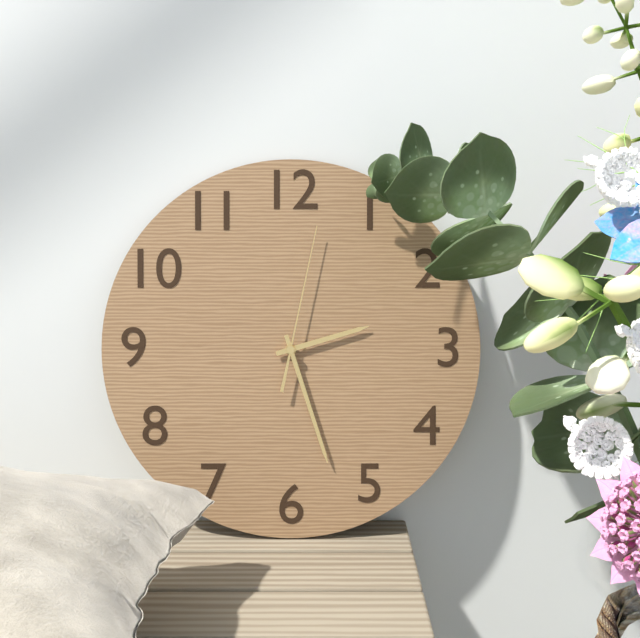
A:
2,27,02
